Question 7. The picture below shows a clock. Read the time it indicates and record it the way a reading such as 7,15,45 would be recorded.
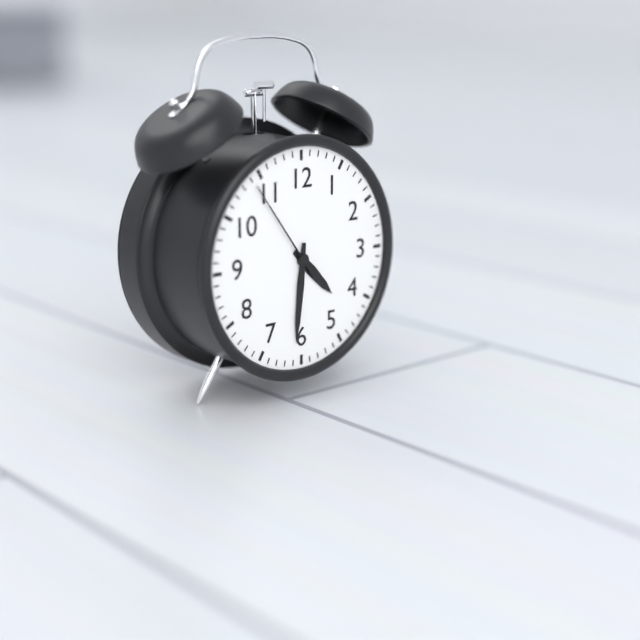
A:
4,31,54
